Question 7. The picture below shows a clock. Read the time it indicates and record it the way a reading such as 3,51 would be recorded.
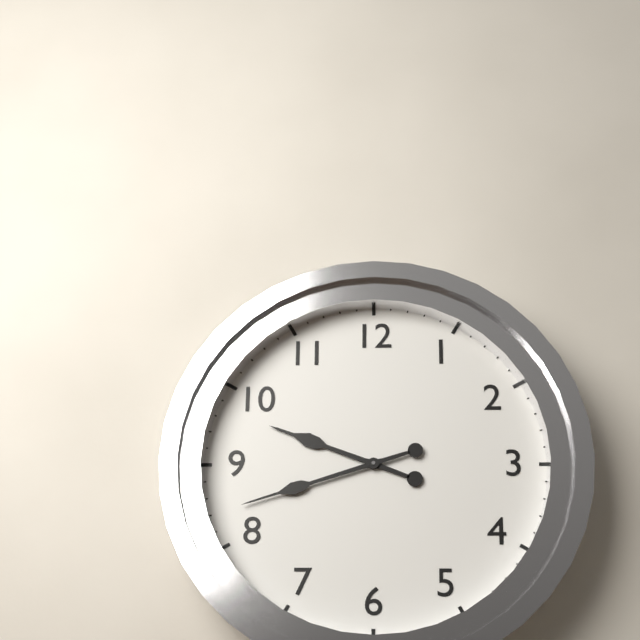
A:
9,42
